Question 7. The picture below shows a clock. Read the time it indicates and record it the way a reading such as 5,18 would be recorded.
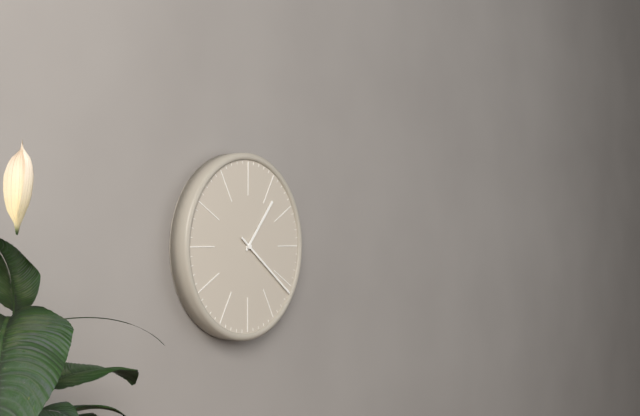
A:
1,21
